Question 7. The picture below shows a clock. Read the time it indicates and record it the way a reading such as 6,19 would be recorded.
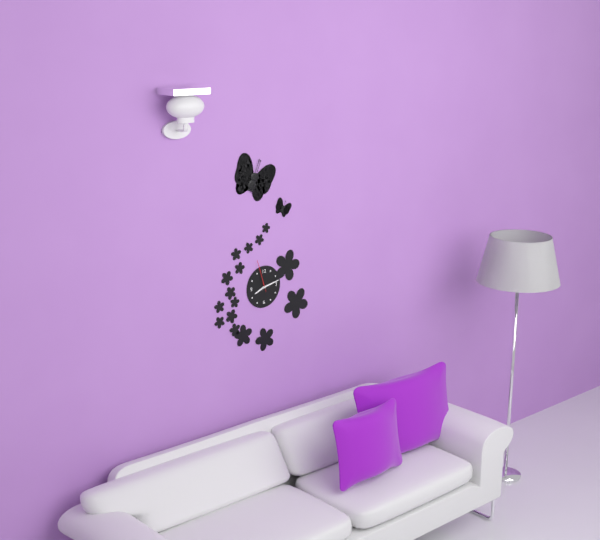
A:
8,13
